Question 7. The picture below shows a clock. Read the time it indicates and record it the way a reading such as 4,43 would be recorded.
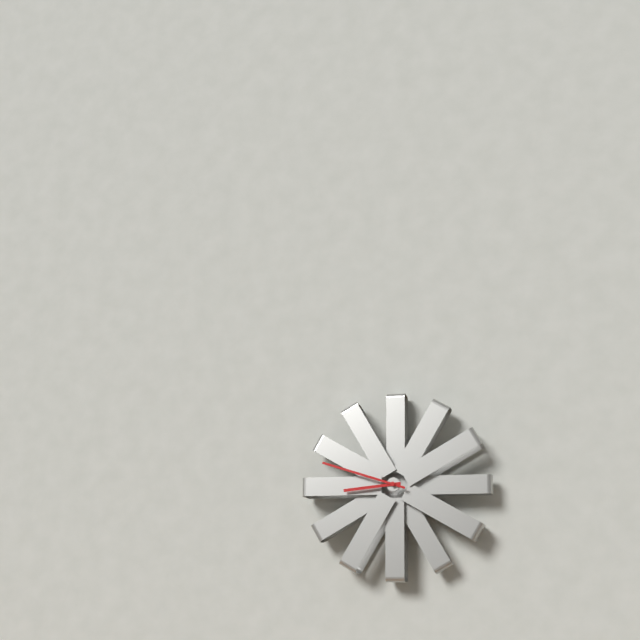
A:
8,48
